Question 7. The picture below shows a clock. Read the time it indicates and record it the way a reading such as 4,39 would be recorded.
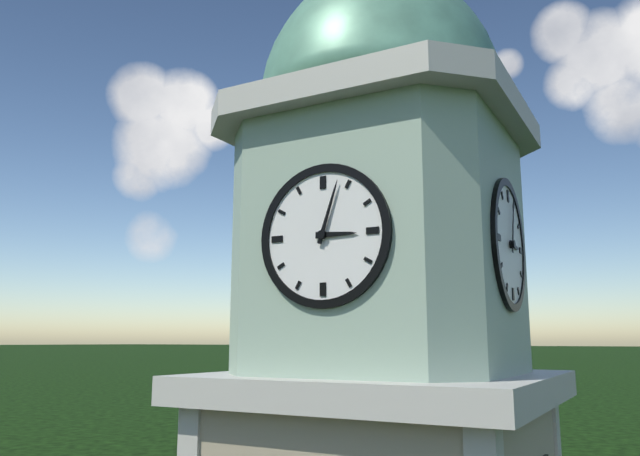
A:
3,03
